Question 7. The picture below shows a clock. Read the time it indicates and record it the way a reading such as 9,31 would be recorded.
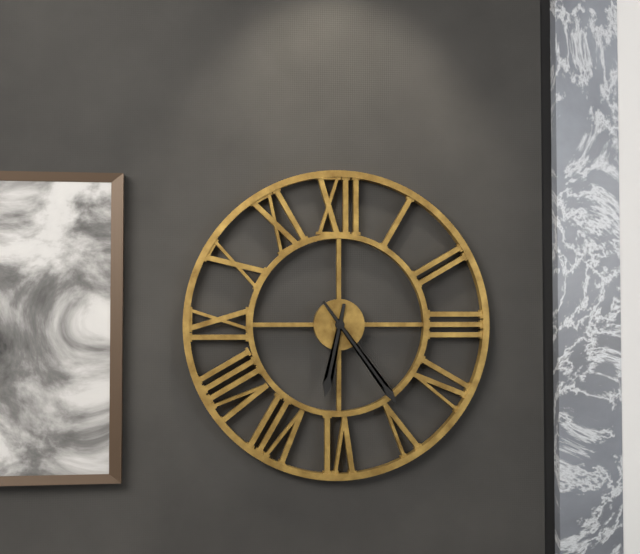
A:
6,24
